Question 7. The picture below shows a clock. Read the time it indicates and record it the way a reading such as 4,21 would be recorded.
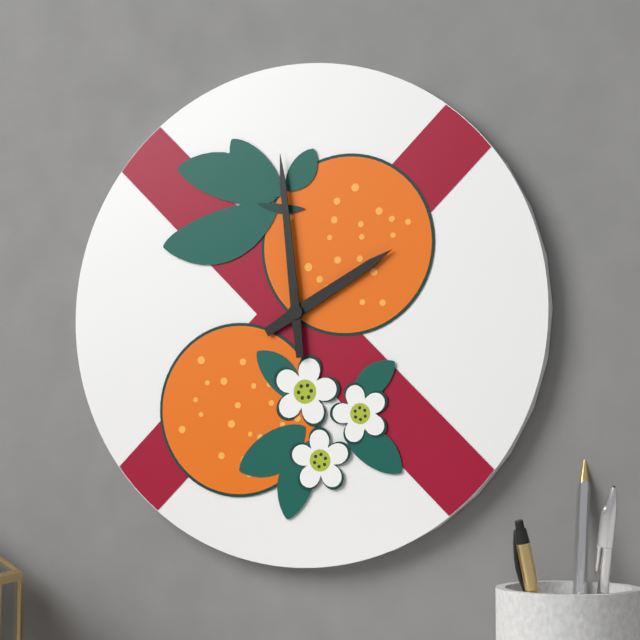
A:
1,59
